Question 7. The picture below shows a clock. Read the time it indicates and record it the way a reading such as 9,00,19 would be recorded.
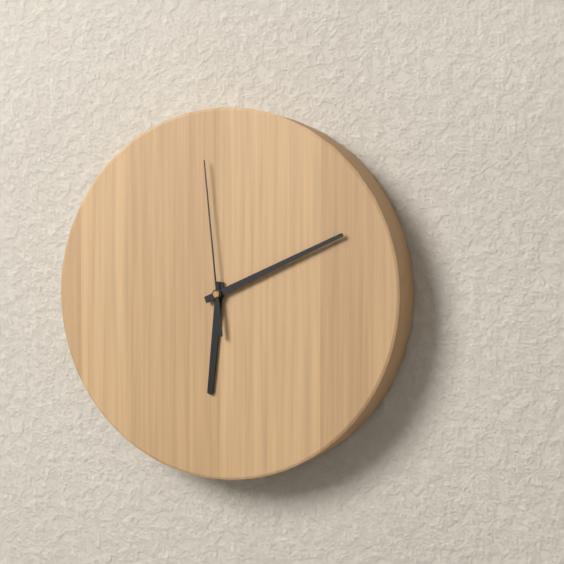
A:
6,11,59
